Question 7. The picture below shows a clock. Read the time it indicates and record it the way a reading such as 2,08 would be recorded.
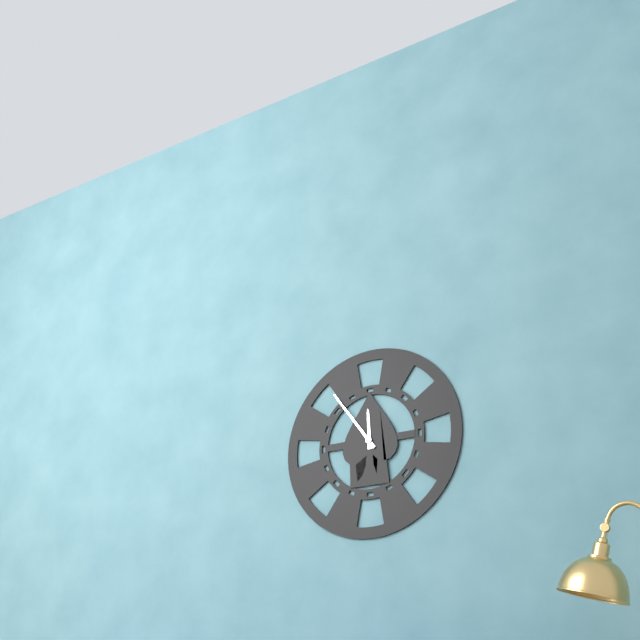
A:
11,54
